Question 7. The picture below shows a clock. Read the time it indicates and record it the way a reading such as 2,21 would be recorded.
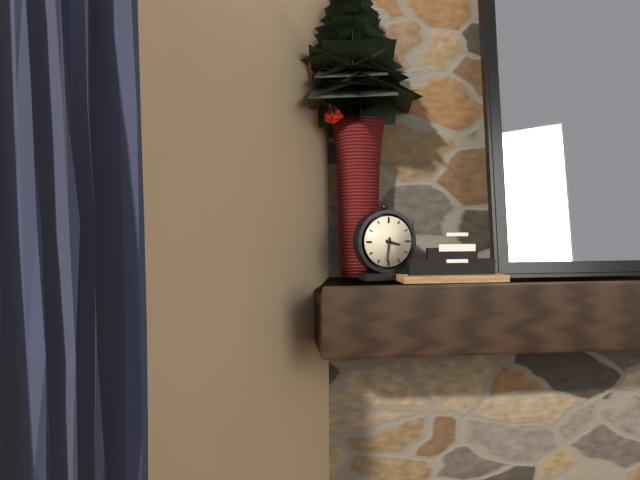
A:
3,31
